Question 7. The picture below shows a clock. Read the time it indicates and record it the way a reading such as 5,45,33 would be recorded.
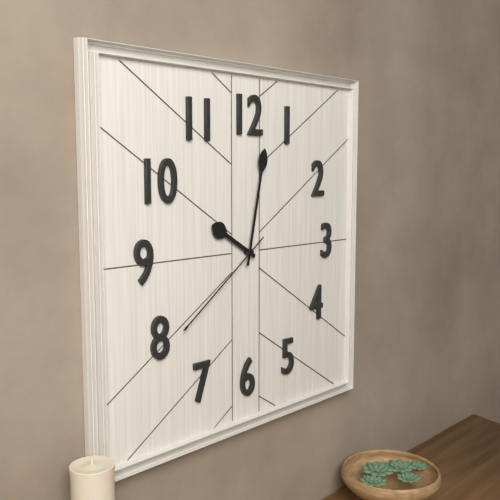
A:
10,02,39
